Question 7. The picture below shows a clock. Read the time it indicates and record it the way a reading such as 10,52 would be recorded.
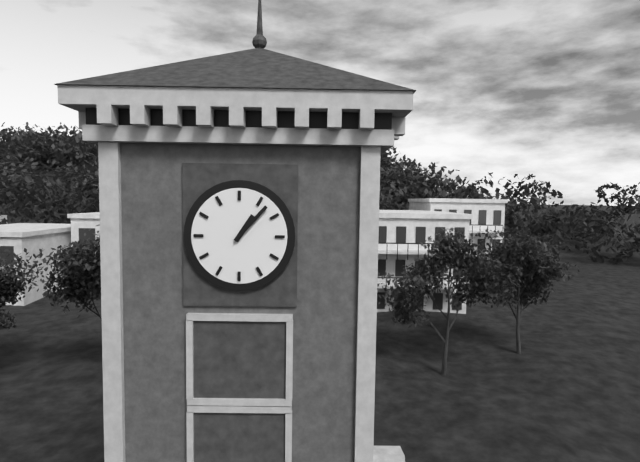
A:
1,07
